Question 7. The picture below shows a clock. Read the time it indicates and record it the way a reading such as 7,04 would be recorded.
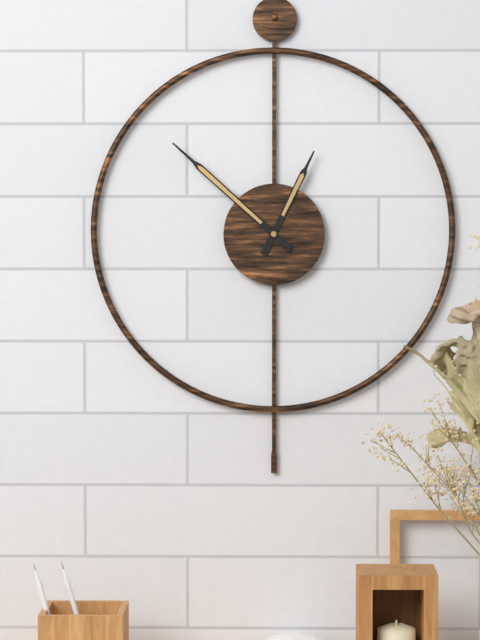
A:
12,52
